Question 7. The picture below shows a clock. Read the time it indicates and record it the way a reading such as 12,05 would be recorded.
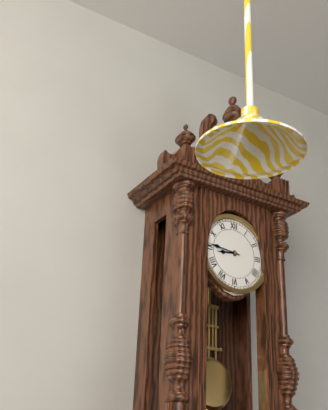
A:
8,46
